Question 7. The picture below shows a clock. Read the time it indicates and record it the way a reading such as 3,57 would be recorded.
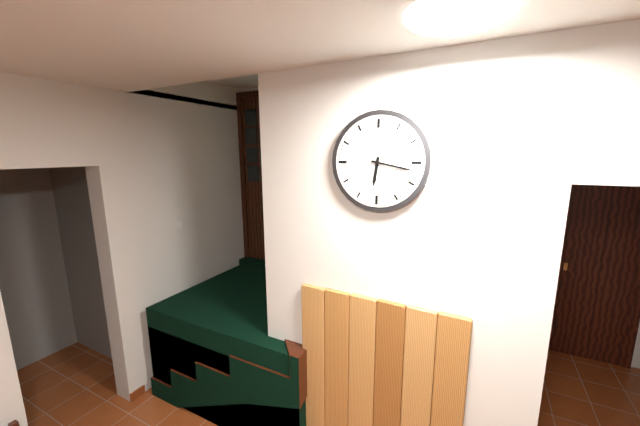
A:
6,17
